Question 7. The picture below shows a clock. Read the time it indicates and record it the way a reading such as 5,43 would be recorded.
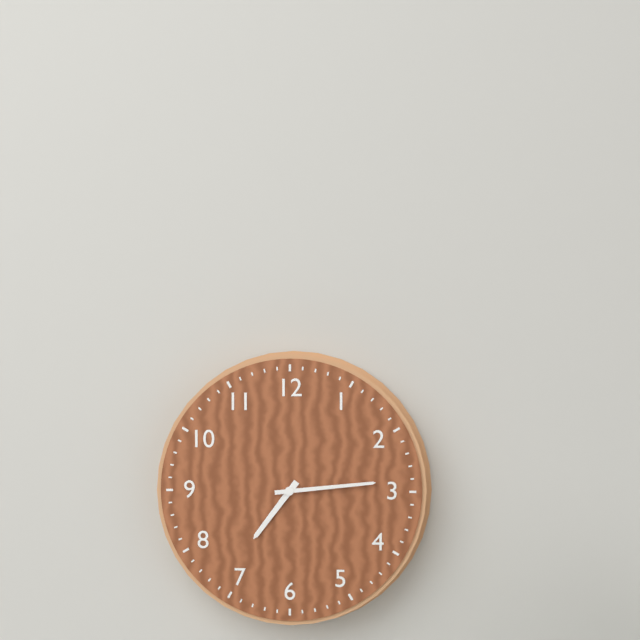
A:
7,14
